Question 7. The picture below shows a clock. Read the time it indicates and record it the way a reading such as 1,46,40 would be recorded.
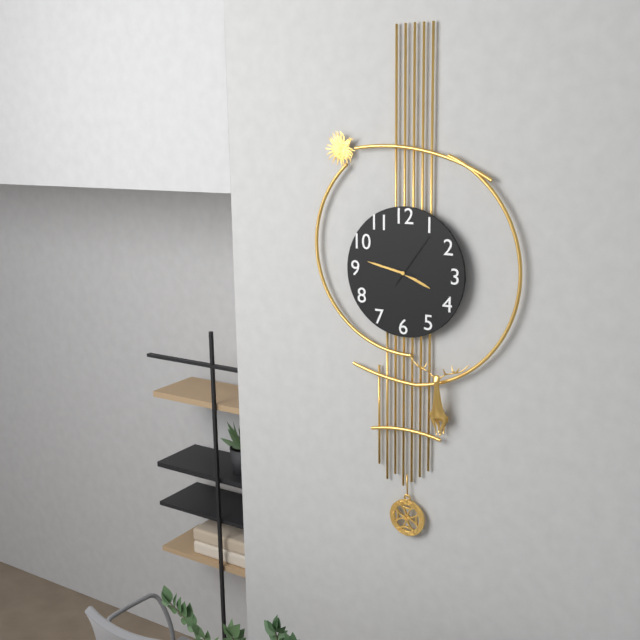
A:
3,47,06
